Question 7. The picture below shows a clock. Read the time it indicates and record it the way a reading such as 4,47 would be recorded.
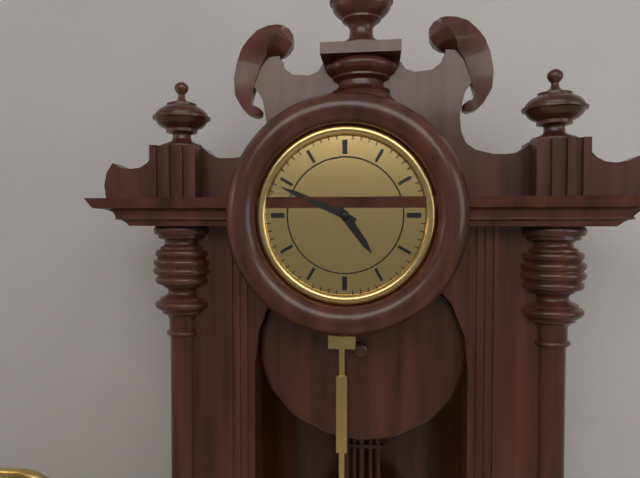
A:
4,49
